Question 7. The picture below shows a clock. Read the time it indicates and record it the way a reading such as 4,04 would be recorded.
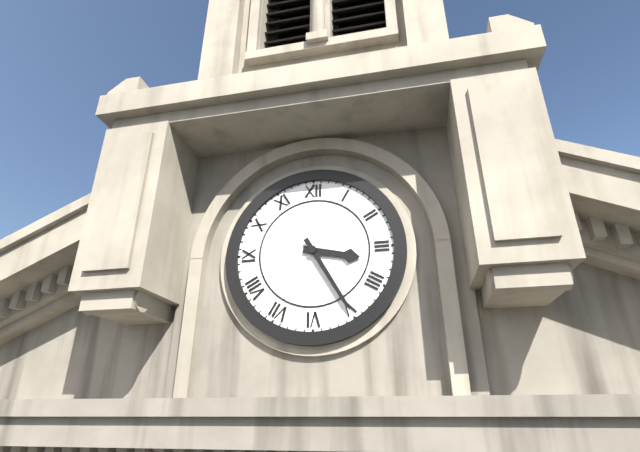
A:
3,25
